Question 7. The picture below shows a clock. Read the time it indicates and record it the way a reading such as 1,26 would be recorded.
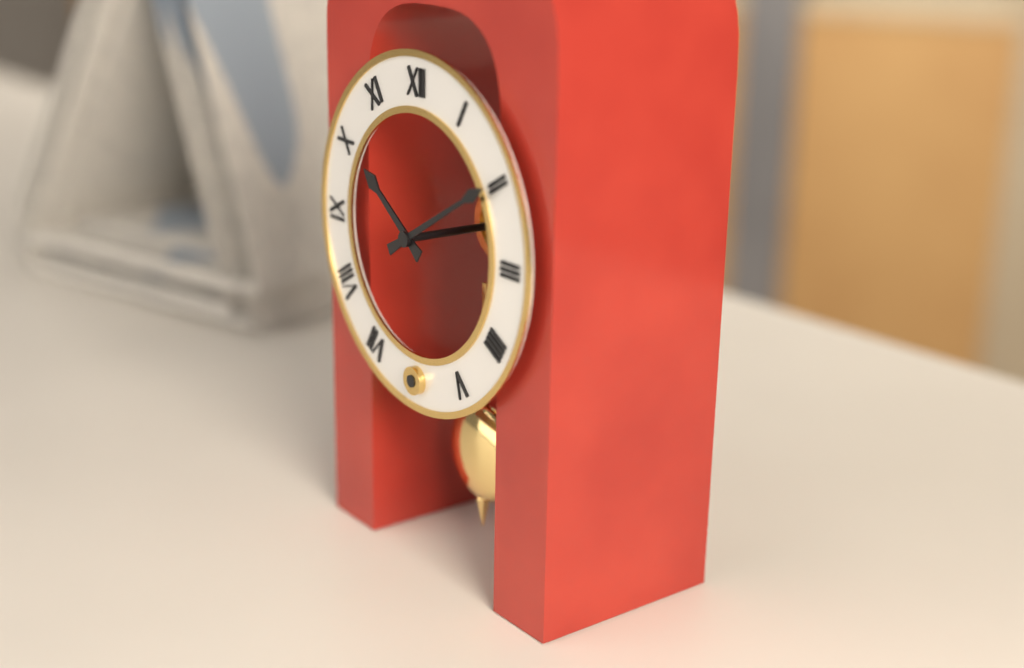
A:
10,10
